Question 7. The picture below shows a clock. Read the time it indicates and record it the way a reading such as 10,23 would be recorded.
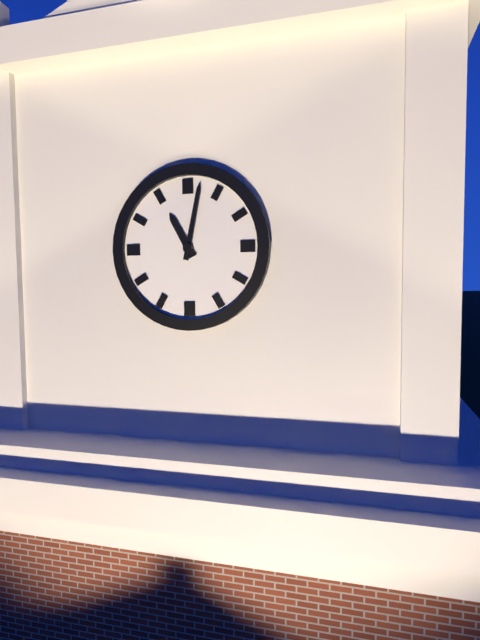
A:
11,02
